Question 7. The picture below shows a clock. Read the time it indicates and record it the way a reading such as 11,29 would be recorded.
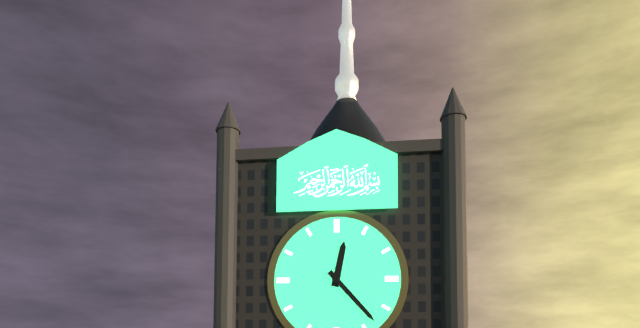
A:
12,23
